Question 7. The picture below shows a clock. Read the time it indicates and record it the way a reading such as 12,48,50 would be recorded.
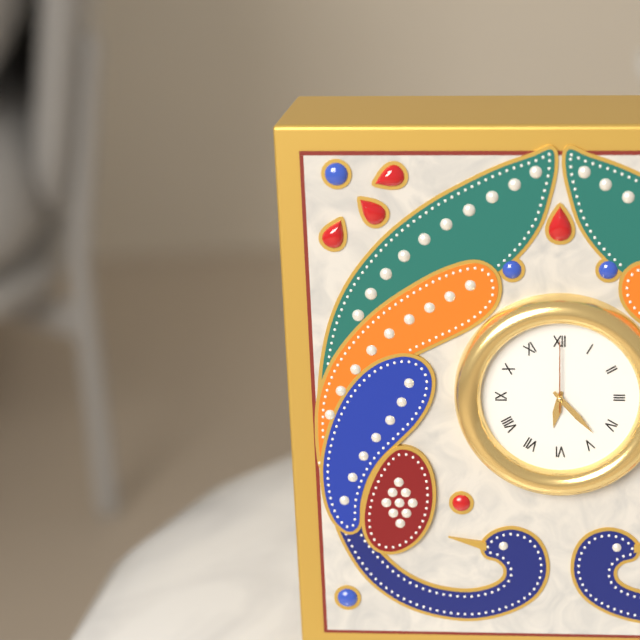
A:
6,23,00
